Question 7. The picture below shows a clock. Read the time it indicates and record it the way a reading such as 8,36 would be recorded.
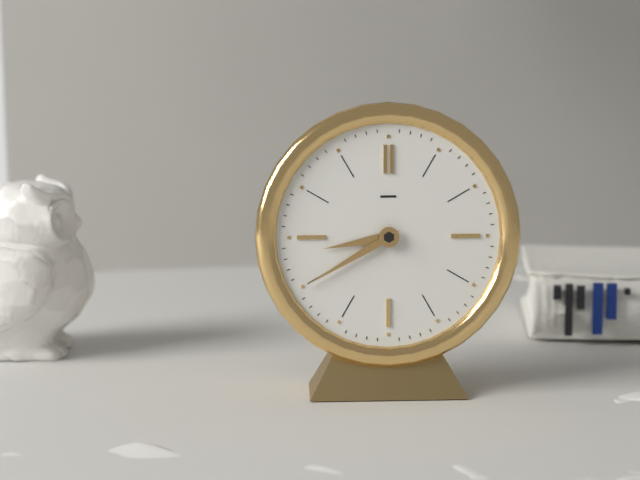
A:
8,40
